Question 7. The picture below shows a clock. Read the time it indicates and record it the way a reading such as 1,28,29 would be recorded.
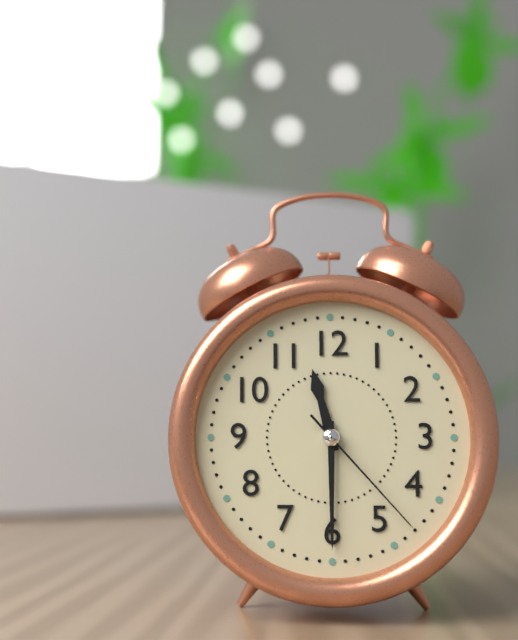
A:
11,30,23
